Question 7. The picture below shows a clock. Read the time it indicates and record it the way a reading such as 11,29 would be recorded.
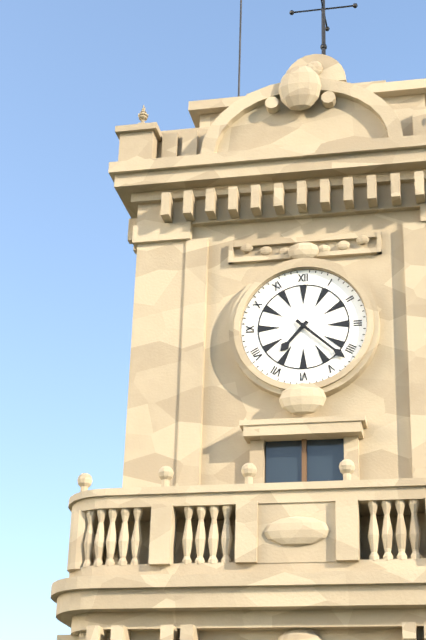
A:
7,22
